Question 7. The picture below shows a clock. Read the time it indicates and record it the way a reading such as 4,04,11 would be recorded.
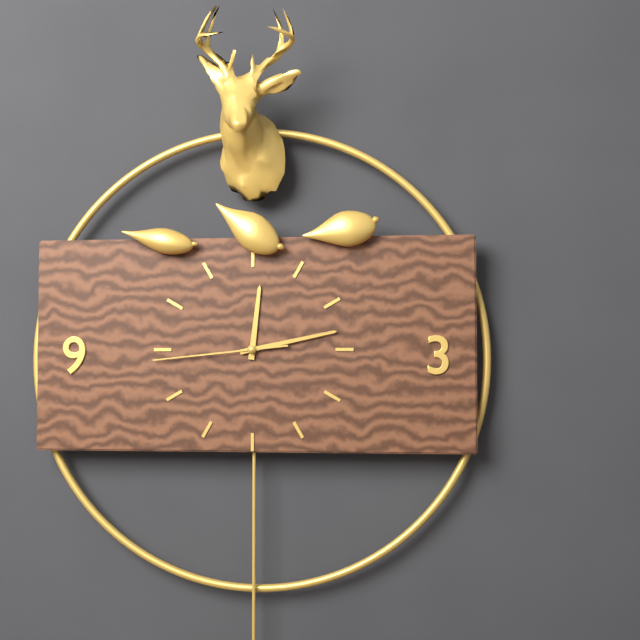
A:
12,13,44
